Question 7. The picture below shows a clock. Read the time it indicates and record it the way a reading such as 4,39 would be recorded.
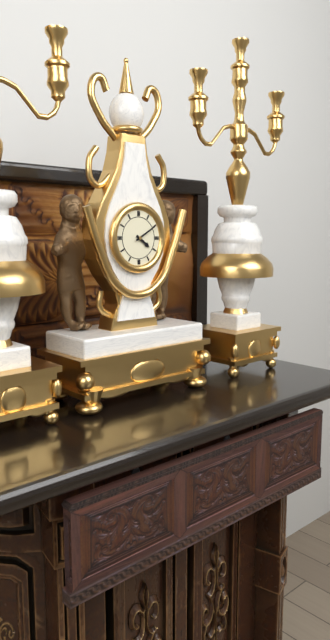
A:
4,10
